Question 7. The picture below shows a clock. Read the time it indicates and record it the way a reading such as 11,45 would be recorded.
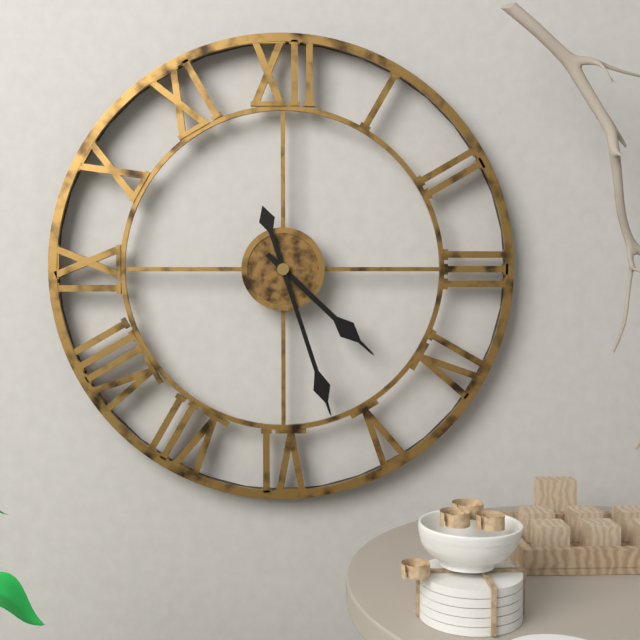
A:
4,27
